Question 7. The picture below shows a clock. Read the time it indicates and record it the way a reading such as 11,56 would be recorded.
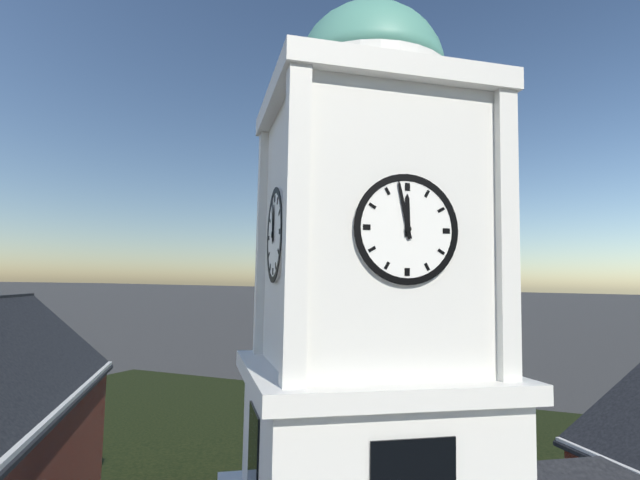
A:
11,58
